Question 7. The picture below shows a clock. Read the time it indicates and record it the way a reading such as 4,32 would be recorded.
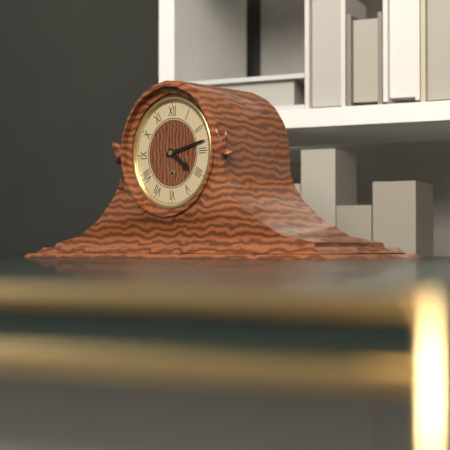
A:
4,13
